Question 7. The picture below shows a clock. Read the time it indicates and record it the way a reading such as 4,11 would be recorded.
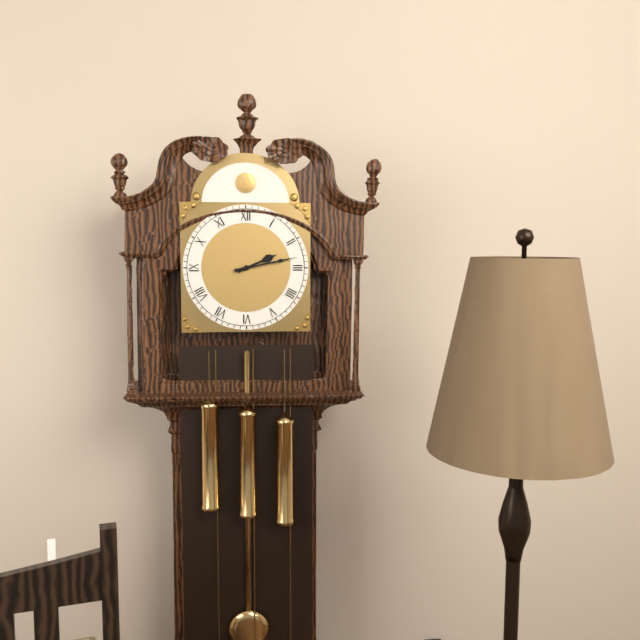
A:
2,13
